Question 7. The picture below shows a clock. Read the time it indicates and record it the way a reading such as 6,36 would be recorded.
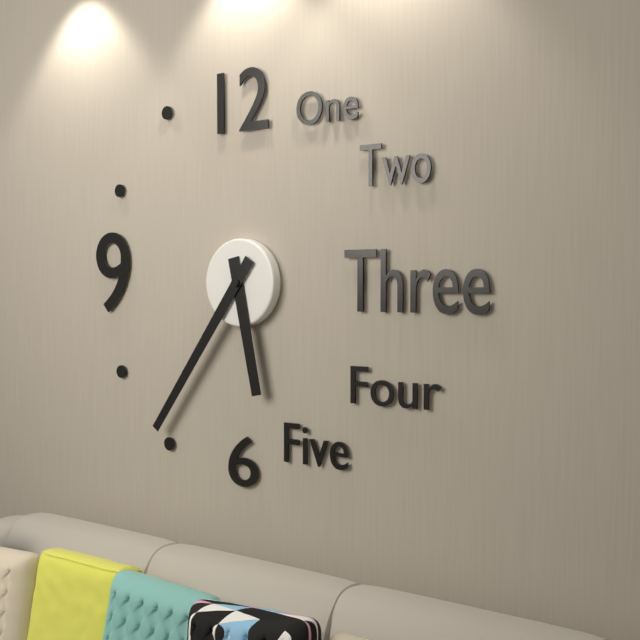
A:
5,36
